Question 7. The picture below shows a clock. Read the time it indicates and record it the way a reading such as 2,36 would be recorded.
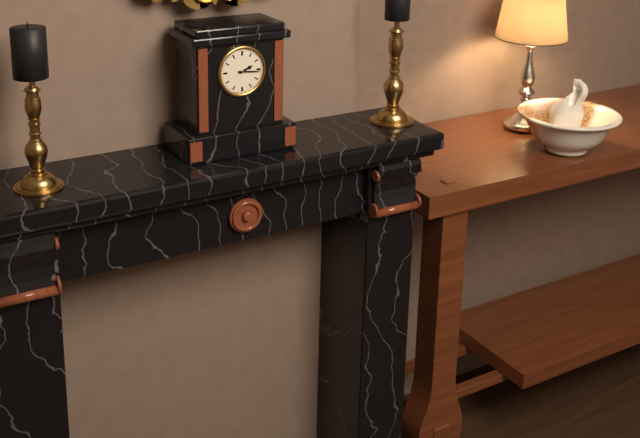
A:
2,16
